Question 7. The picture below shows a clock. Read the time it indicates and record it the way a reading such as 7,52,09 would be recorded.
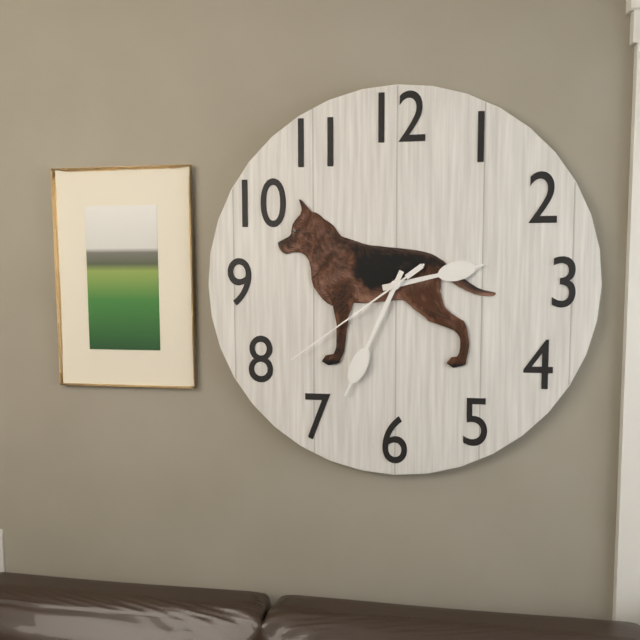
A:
2,34,39
